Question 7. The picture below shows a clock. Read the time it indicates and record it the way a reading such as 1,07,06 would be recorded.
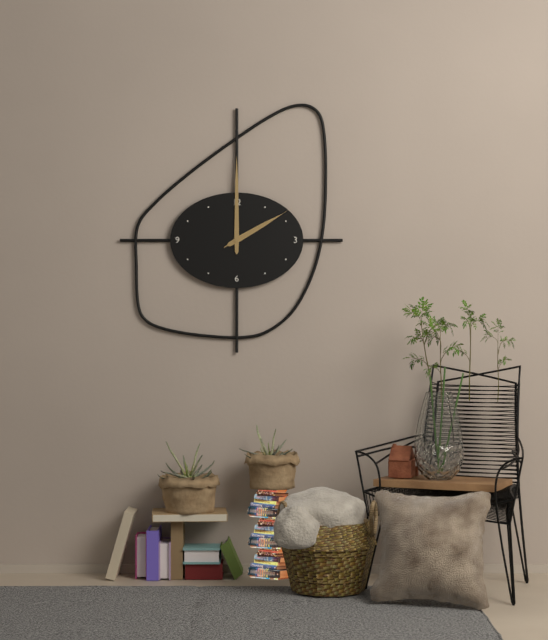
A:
2,00,10
